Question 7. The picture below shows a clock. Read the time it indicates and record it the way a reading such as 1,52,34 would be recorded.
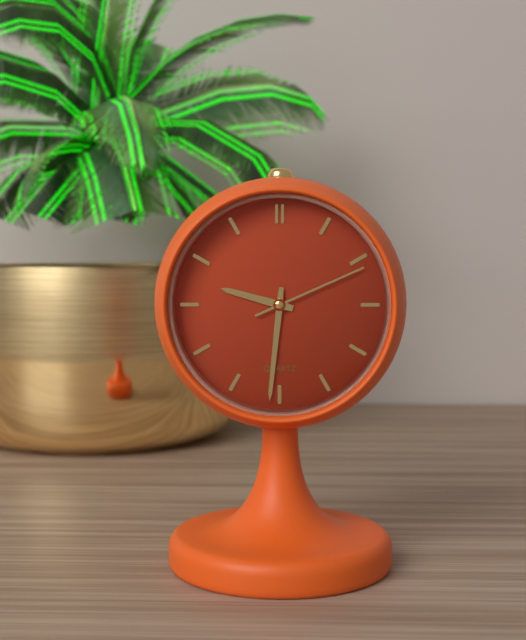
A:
9,31,11
